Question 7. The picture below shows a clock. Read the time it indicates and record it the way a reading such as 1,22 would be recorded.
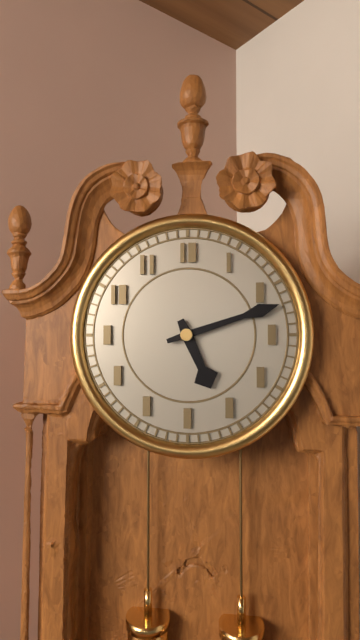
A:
5,12
